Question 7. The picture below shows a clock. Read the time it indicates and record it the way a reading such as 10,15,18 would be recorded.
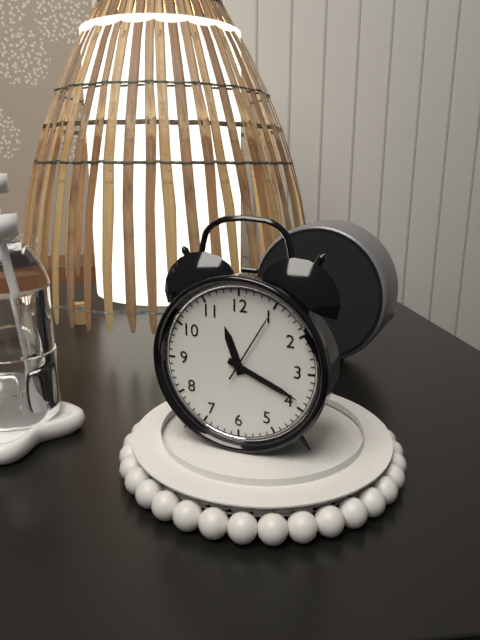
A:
11,19,05
